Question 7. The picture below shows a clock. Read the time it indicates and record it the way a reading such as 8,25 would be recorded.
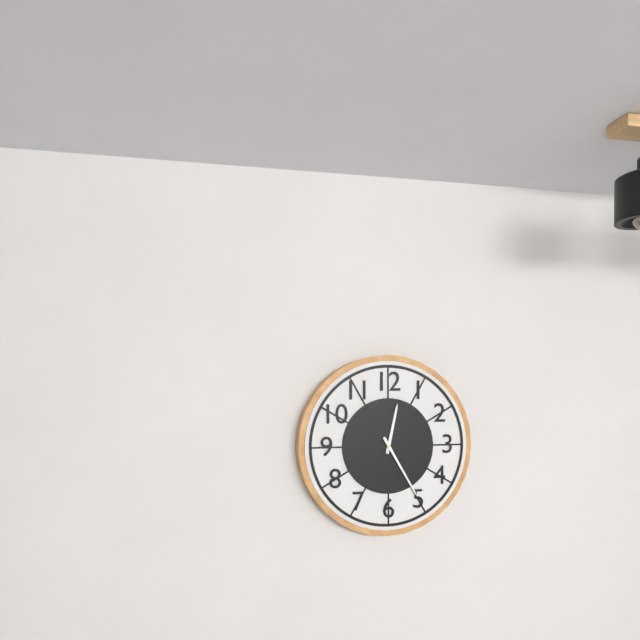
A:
12,25
